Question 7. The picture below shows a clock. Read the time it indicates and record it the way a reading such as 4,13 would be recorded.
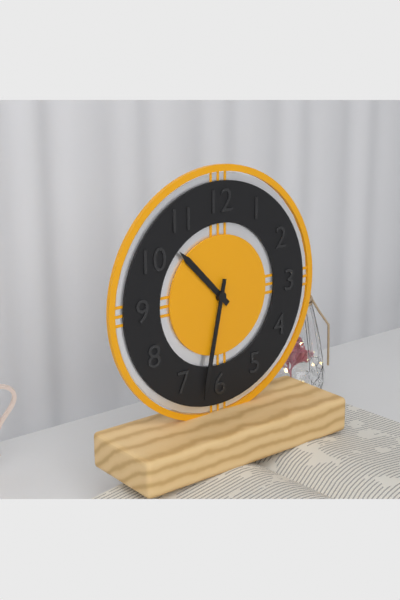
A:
10,32
